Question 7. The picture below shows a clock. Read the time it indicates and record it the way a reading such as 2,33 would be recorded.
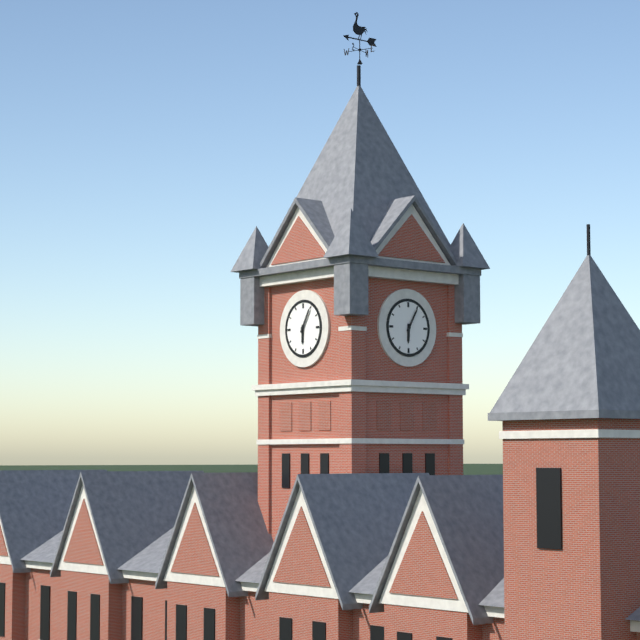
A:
6,05
